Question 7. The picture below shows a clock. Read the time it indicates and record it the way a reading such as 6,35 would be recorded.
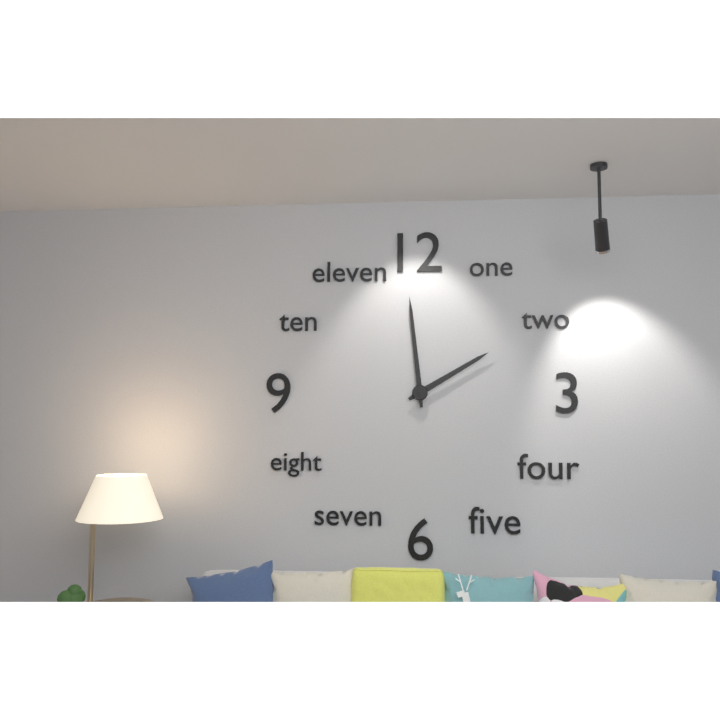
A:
1,59
